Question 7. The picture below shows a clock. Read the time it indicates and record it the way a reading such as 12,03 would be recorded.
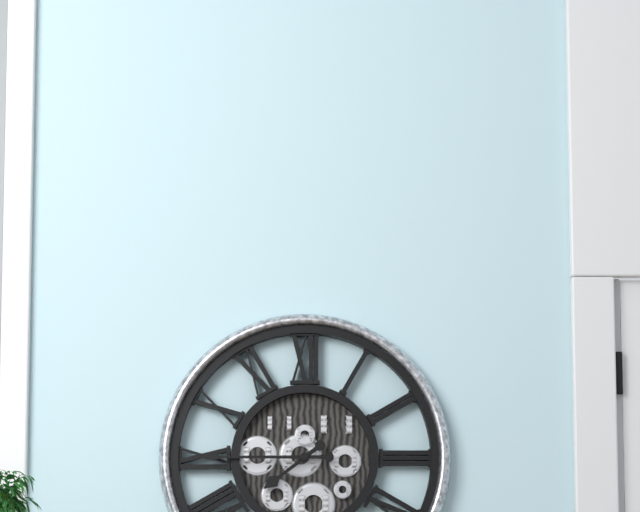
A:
7,45
